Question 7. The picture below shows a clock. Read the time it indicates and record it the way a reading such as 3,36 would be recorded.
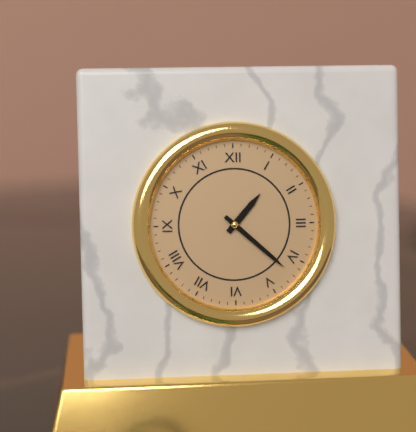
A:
1,22
